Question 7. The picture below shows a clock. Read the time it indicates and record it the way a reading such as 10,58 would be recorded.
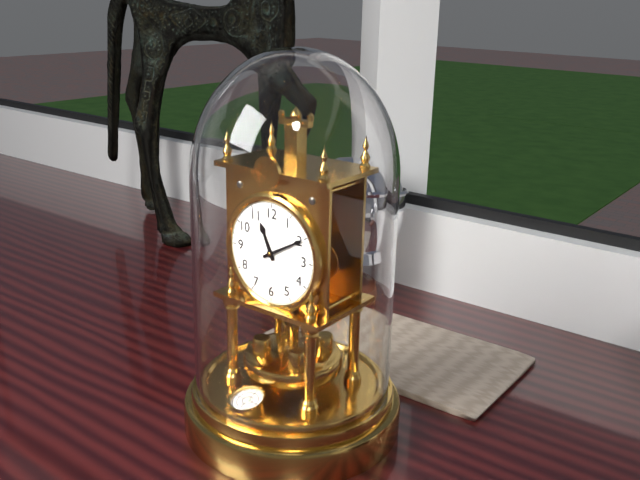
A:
11,10
